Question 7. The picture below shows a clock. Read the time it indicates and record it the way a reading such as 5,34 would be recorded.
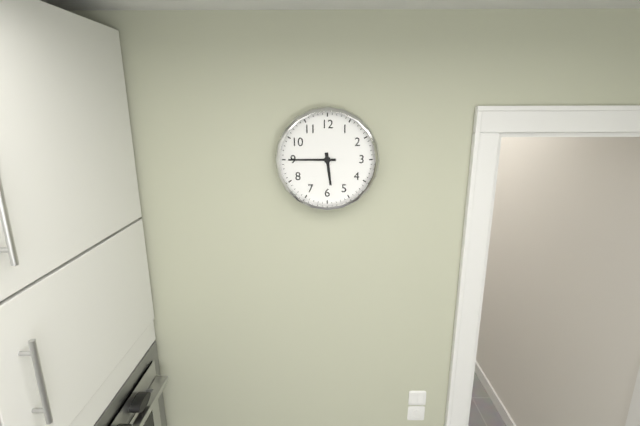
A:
5,45
